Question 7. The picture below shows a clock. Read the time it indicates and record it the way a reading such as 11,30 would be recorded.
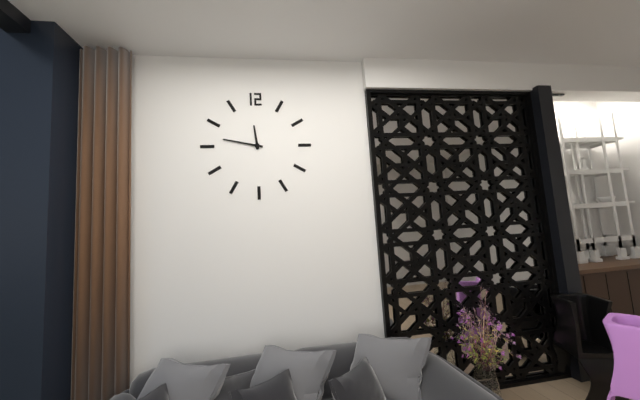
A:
11,47
